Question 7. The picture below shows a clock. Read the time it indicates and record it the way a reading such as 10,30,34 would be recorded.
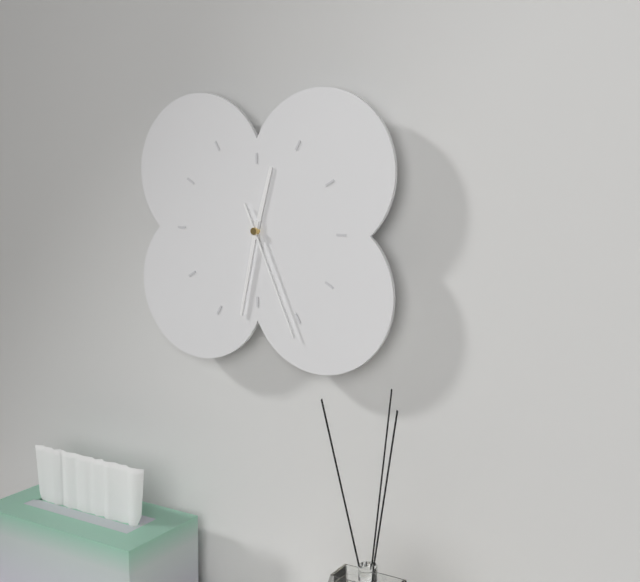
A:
12,32,26
